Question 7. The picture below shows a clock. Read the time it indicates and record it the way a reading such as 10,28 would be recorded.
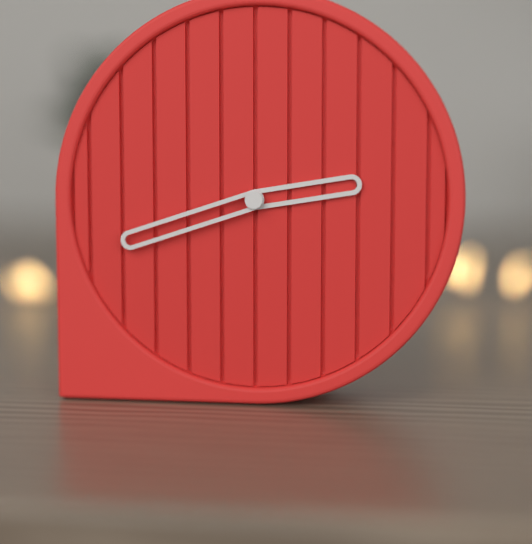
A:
2,42
